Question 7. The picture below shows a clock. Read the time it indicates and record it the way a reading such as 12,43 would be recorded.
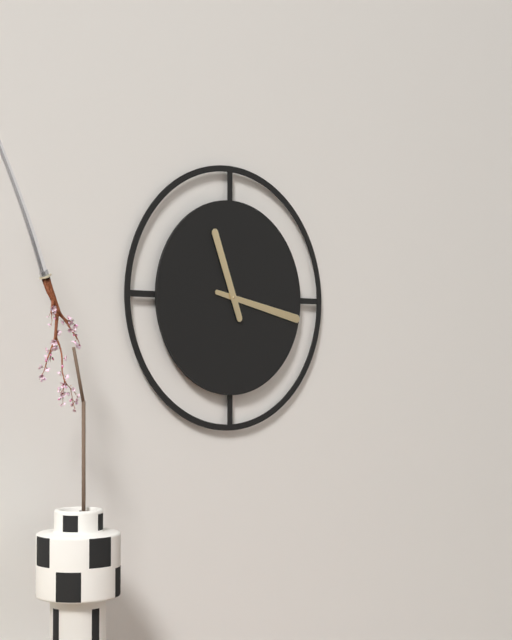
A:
11,17
